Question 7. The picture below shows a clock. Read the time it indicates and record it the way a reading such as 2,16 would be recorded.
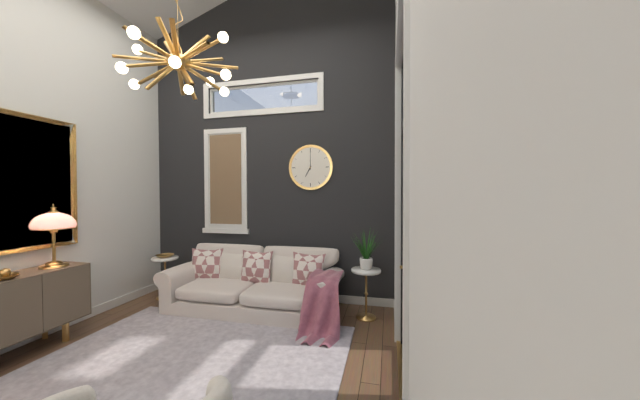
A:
7,00
